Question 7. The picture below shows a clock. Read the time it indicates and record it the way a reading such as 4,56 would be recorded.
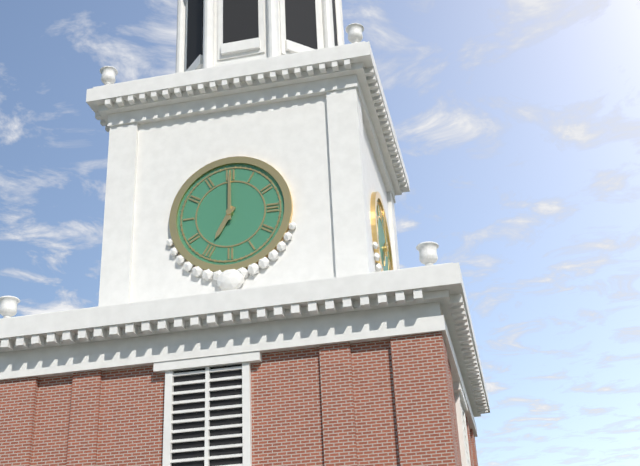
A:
7,00
